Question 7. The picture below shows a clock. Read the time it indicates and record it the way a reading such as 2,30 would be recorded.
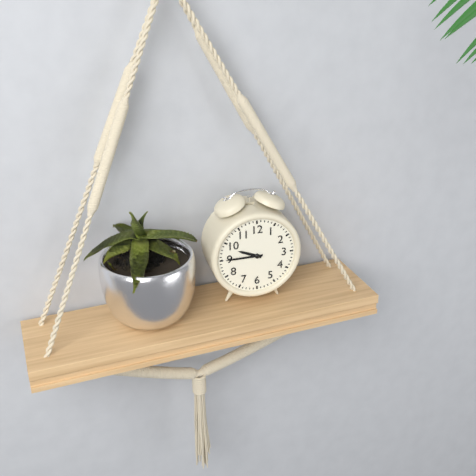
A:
9,45
